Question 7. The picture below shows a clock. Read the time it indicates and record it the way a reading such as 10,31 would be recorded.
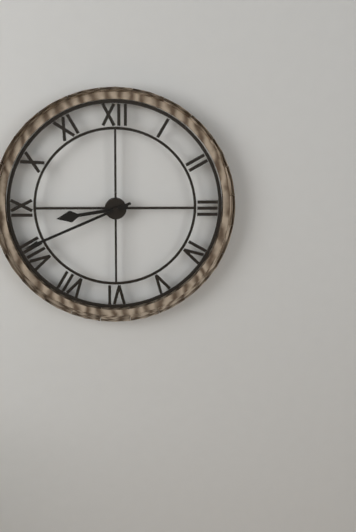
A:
8,41
